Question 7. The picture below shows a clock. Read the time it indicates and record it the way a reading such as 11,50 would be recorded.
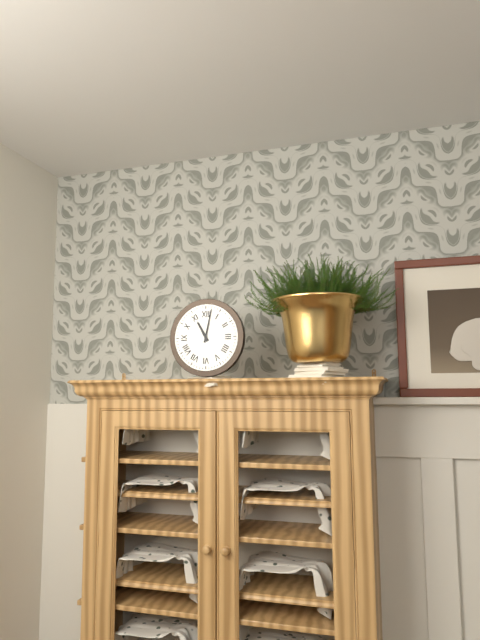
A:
11,02
